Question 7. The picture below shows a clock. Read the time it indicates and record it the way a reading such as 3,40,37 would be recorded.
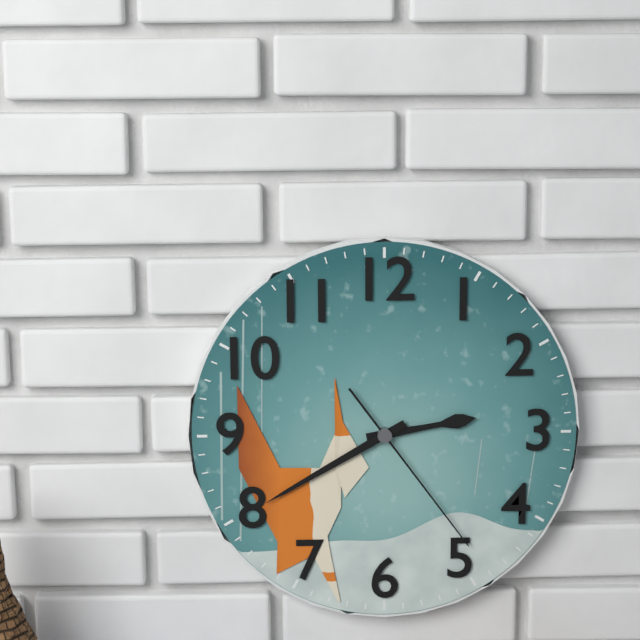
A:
2,40,24
